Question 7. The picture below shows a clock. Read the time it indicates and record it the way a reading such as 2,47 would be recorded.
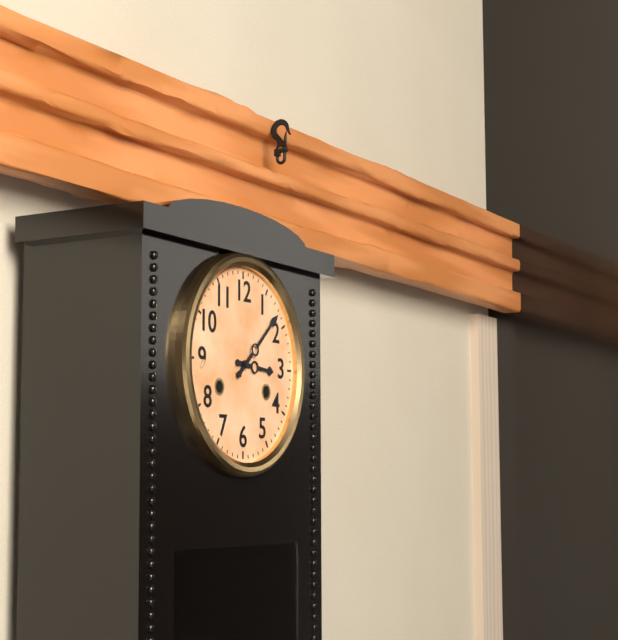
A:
3,08
